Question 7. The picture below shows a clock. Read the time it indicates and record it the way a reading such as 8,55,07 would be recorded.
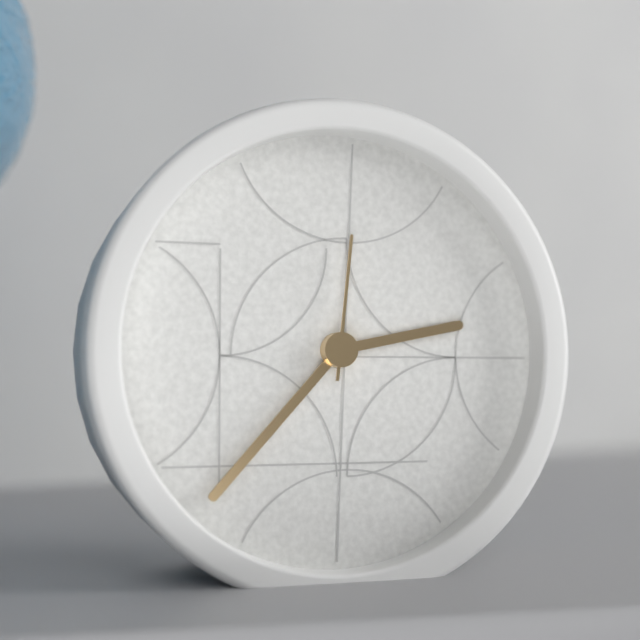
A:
2,37,01
